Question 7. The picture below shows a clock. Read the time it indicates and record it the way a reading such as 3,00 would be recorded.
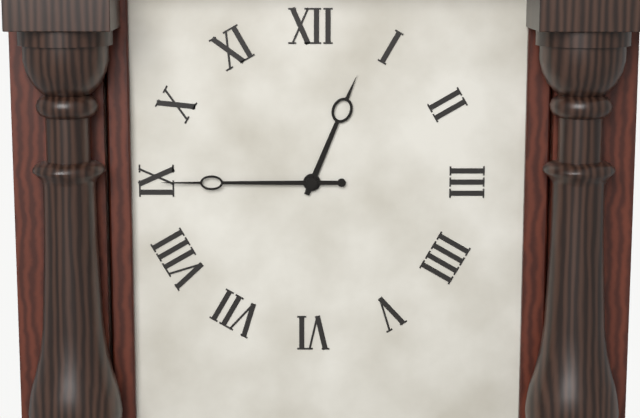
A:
12,45
